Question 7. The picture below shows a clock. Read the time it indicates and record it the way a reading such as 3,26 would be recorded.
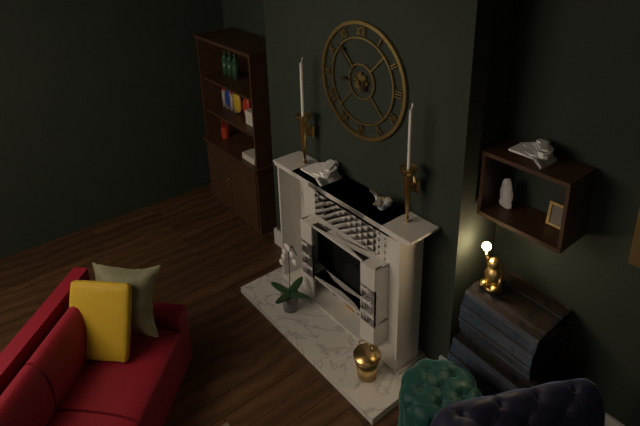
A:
8,53
